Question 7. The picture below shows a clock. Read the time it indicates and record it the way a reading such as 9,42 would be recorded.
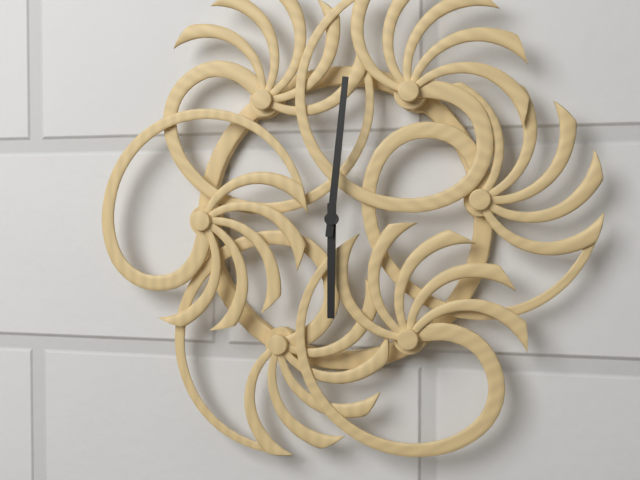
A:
6,01
